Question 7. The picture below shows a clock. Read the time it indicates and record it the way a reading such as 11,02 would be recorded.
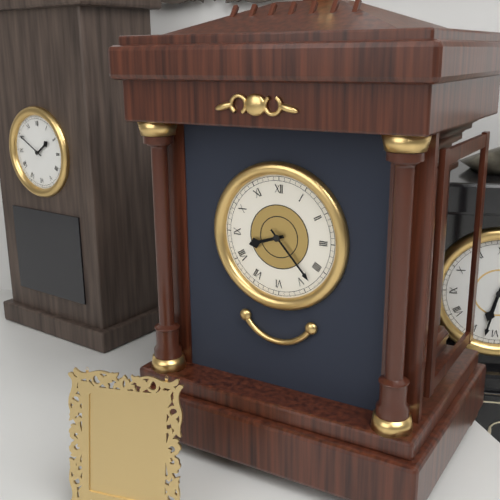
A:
8,23
